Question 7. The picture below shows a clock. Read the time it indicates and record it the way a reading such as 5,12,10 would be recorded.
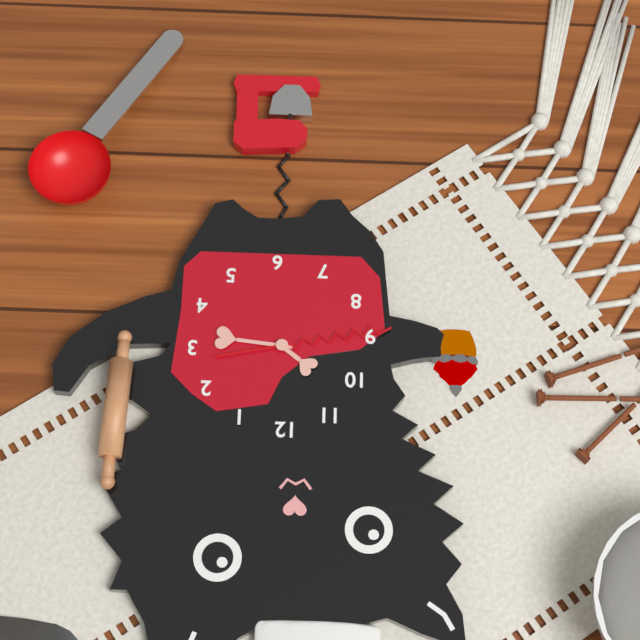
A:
10,16,43
